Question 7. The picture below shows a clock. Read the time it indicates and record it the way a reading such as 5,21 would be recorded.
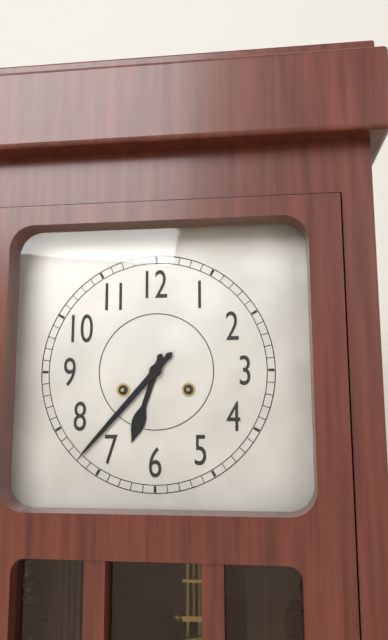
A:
6,37
